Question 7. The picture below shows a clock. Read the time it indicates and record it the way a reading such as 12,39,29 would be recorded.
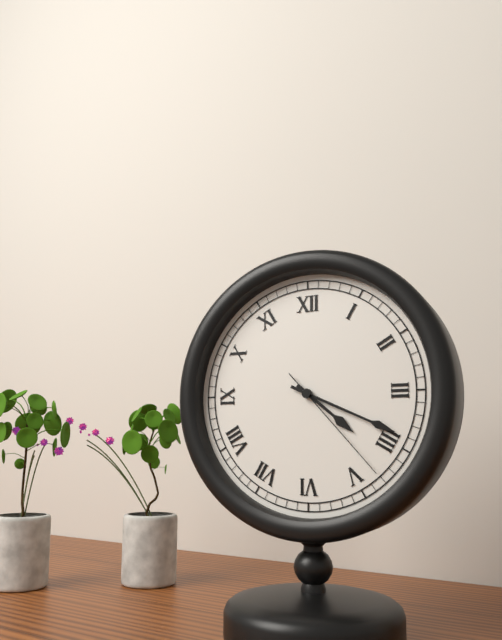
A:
4,19,23
